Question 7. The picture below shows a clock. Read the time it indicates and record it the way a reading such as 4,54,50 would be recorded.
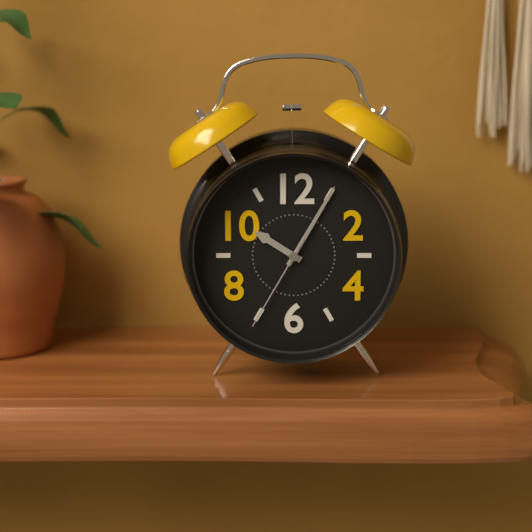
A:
10,05,35
